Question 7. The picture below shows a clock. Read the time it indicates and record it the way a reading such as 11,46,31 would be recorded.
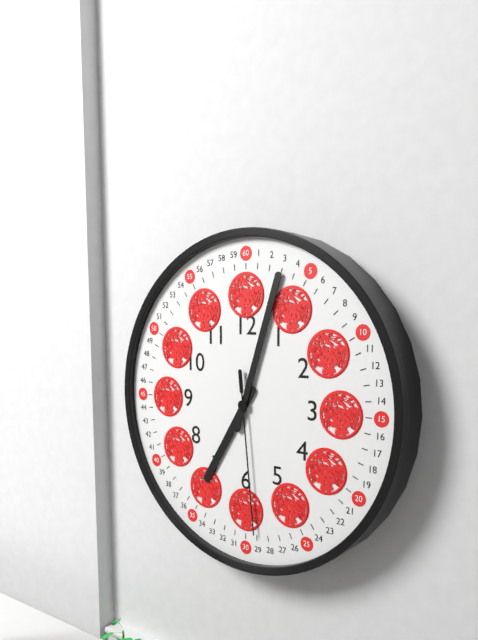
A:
7,03,29
